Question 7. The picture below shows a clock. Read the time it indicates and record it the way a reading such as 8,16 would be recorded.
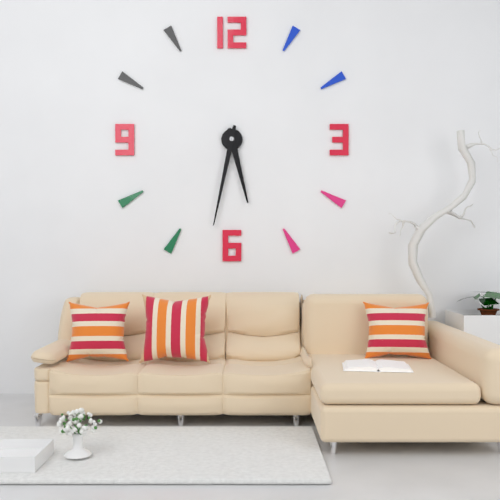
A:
5,32
